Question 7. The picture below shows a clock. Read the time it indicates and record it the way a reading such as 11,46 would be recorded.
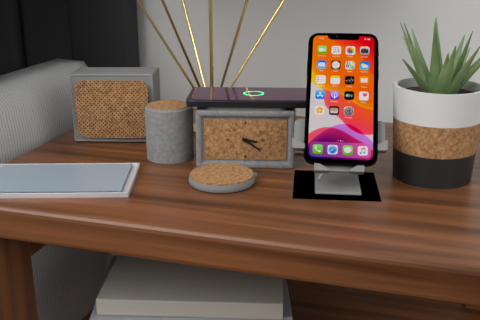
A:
3,21
